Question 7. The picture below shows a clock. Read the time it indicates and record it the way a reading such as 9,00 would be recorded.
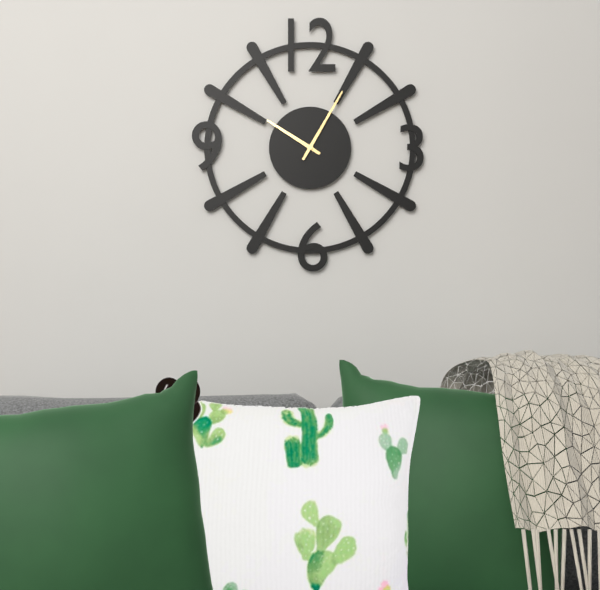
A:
10,05
